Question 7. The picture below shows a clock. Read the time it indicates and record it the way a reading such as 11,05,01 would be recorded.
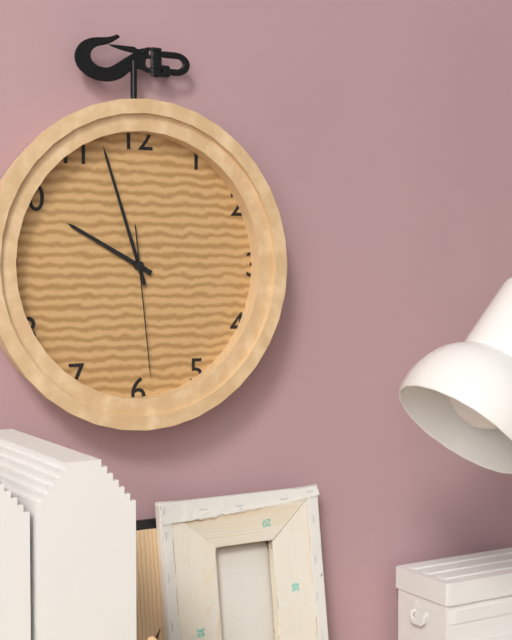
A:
9,57,29
